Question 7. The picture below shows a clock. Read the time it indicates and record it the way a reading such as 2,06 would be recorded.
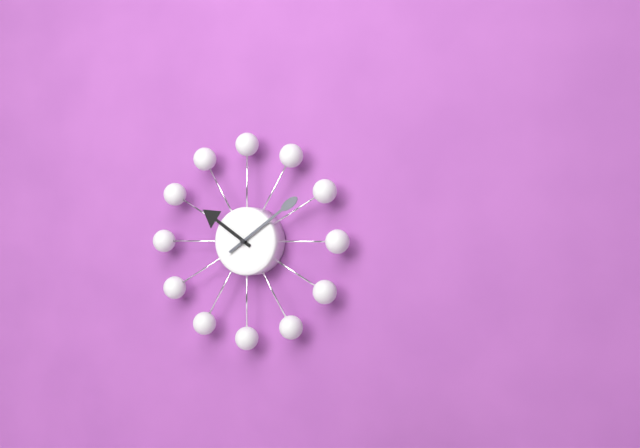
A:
10,09
